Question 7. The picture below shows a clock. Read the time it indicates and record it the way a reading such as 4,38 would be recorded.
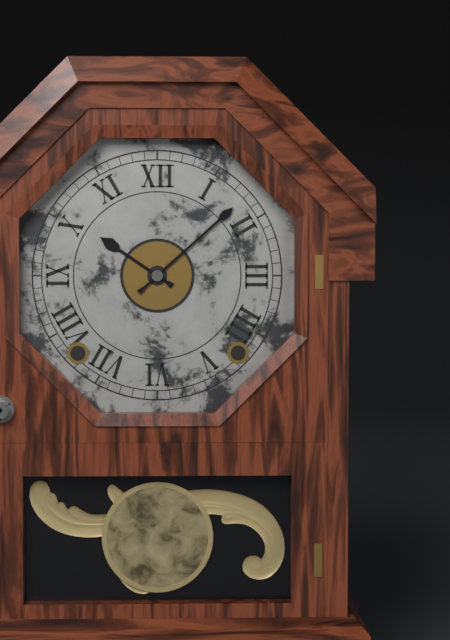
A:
10,08
